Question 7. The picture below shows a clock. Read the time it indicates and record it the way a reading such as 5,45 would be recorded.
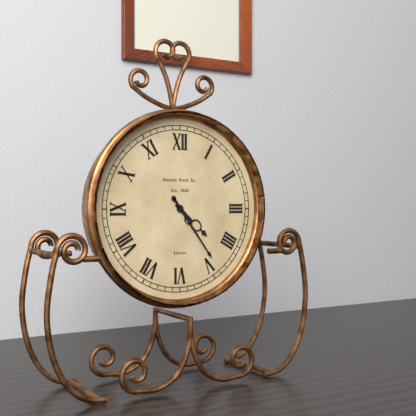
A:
4,24
